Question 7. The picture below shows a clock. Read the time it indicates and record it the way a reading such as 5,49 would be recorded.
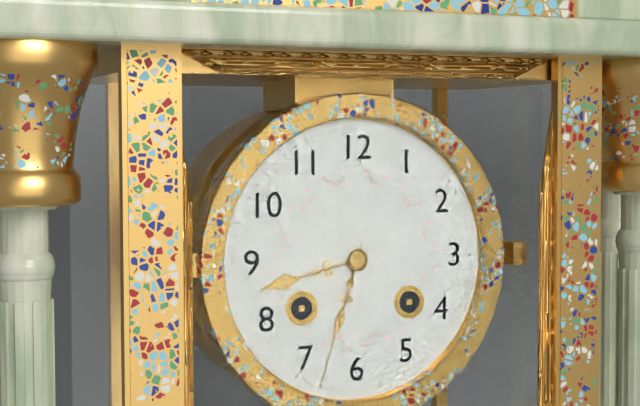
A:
8,33
